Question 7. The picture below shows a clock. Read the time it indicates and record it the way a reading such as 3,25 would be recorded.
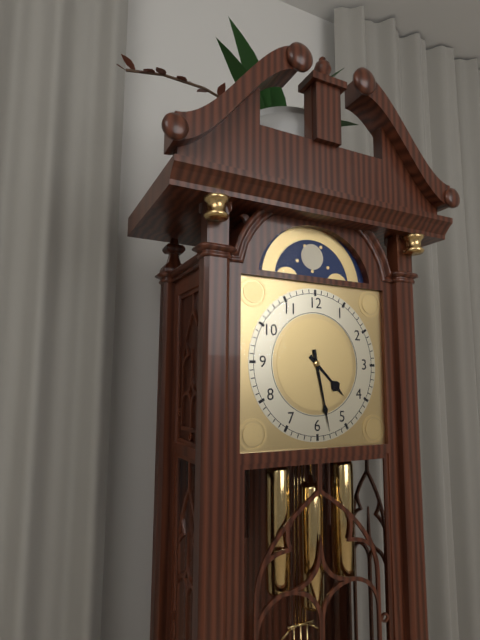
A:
4,28
